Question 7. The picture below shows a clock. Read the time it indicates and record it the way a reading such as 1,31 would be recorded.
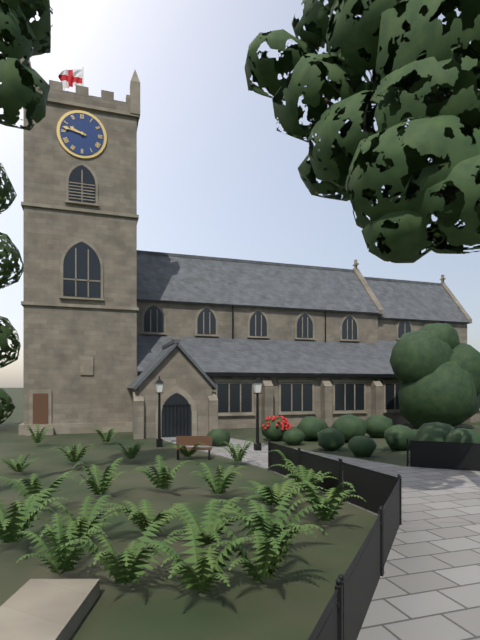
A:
9,47
